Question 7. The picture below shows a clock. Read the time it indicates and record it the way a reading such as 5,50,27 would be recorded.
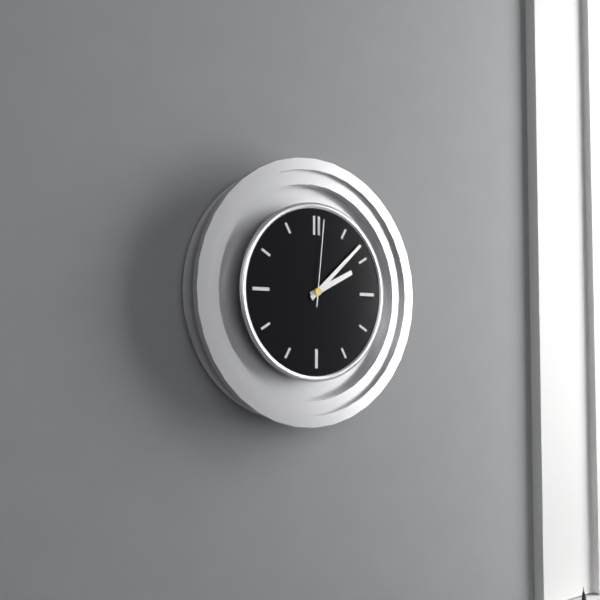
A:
2,08,01
